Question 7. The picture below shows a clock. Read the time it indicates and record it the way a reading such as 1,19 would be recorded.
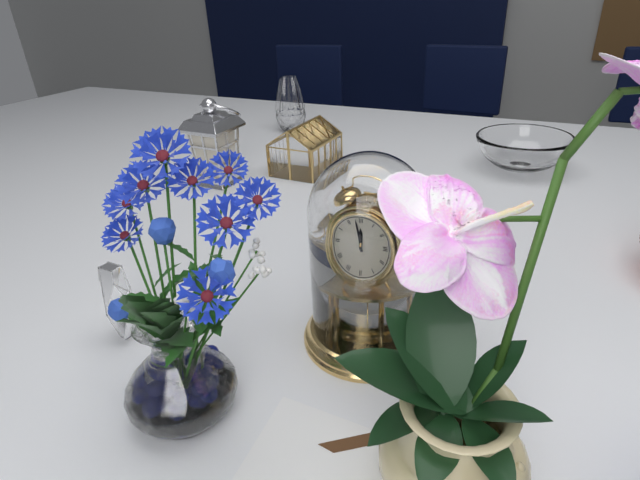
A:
11,58
